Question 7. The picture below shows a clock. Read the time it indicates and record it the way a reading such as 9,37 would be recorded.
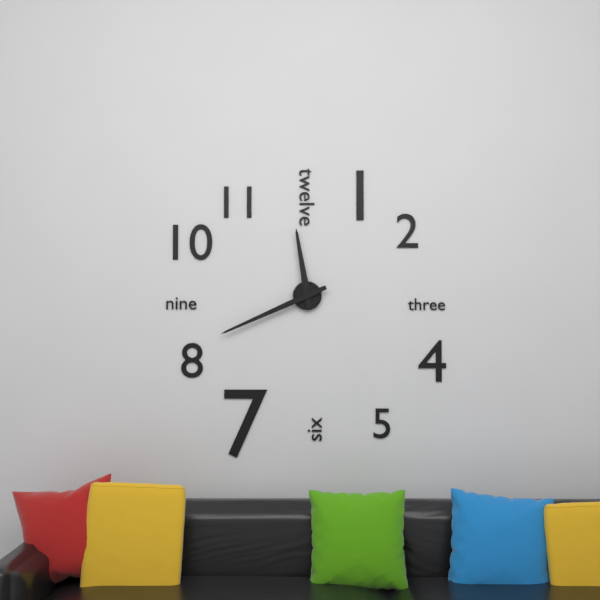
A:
11,41
